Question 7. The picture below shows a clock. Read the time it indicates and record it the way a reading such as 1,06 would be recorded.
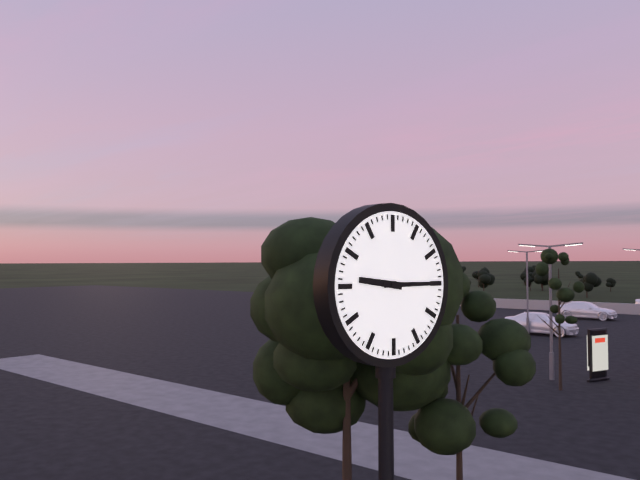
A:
9,15
